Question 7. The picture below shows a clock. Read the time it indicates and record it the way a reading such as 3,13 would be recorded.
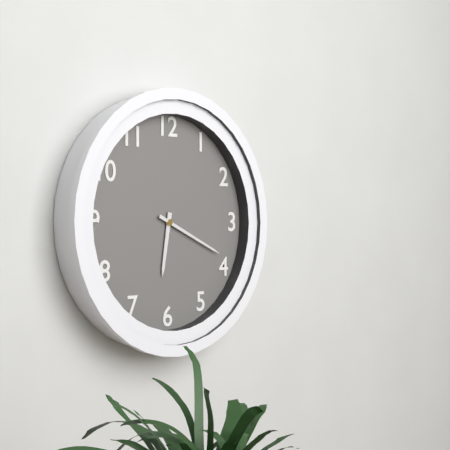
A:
6,19
